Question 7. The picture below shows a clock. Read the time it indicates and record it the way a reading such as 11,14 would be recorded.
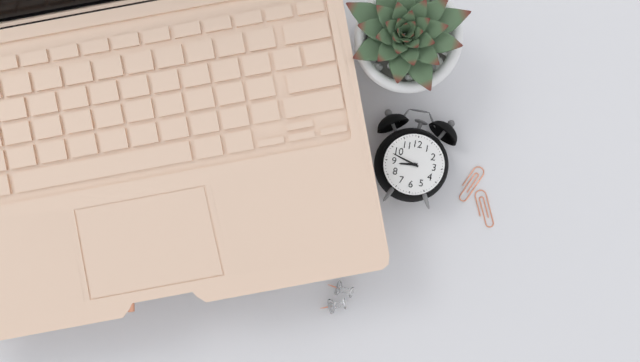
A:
8,48
